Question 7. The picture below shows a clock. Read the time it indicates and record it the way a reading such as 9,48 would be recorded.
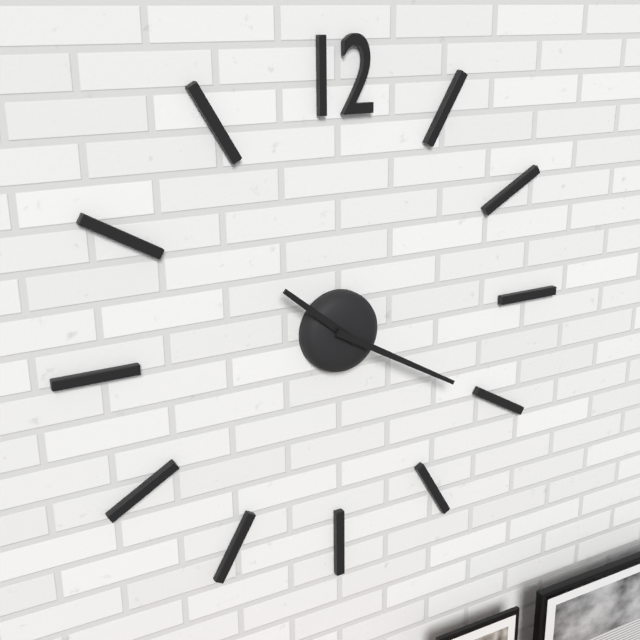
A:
10,20
